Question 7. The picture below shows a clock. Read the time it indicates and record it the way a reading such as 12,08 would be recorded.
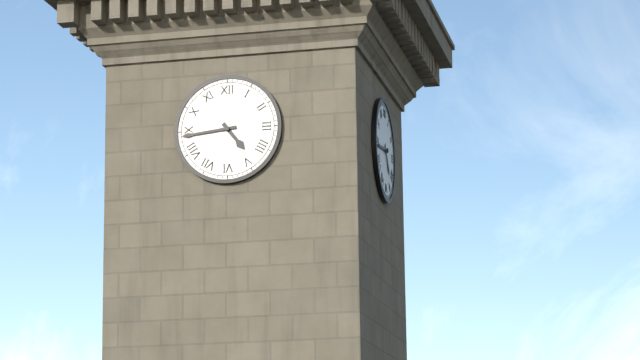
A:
4,44
